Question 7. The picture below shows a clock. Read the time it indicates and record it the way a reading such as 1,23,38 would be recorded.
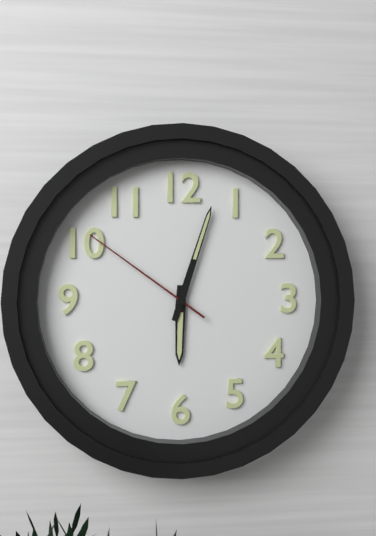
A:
6,03,51
